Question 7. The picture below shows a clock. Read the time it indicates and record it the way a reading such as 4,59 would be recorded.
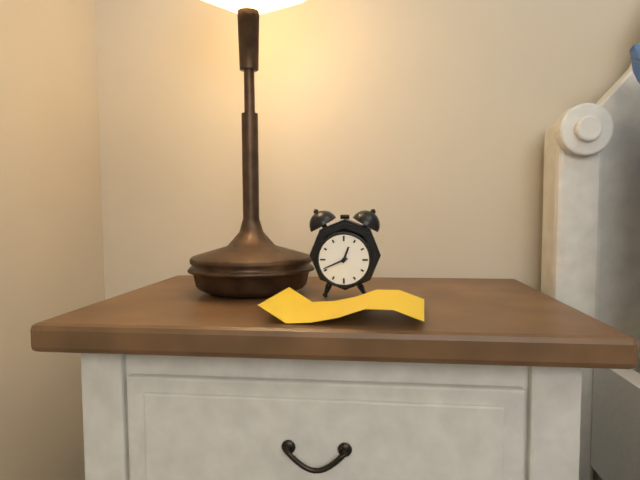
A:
12,41
